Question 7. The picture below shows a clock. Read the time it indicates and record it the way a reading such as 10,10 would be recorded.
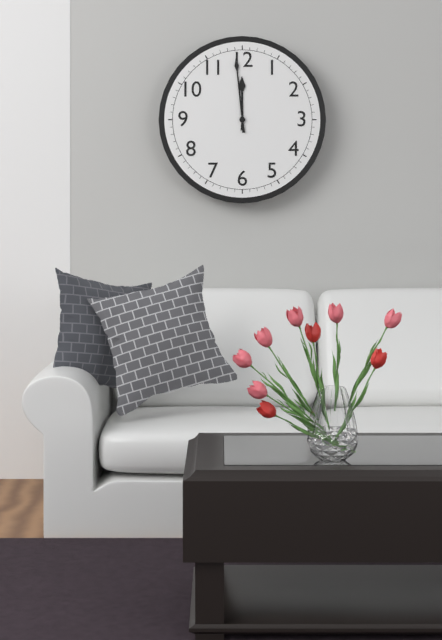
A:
11,59
